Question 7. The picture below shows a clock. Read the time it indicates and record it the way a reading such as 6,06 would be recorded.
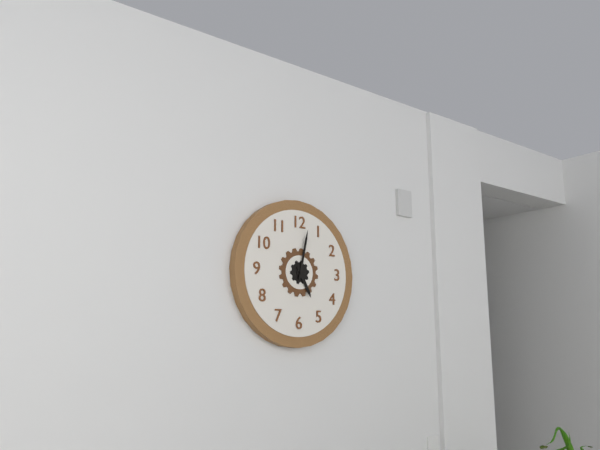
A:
5,02
